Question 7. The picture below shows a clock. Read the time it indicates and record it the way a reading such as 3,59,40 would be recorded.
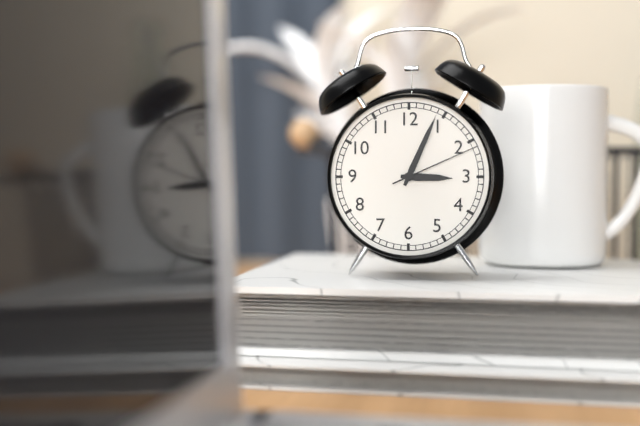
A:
3,04,11
